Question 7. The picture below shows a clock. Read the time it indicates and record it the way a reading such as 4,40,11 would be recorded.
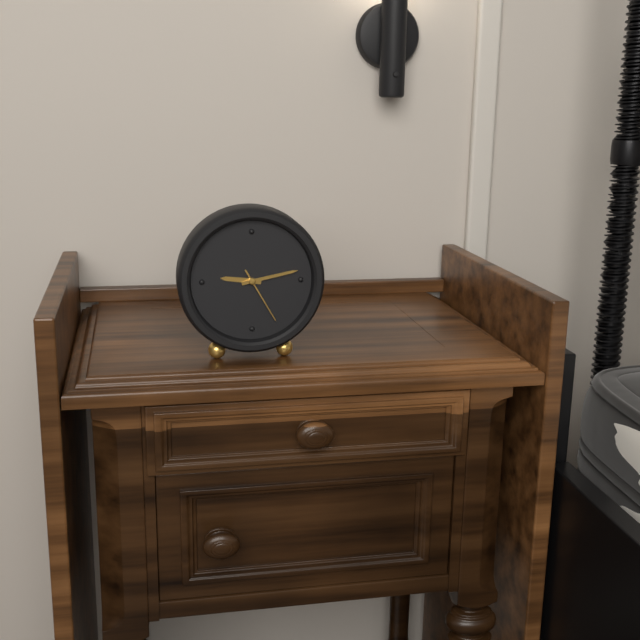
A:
9,13,25
